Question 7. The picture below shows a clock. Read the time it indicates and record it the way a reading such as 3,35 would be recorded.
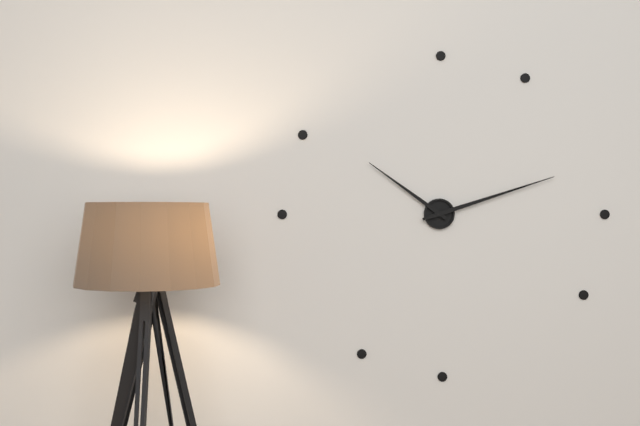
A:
10,12
